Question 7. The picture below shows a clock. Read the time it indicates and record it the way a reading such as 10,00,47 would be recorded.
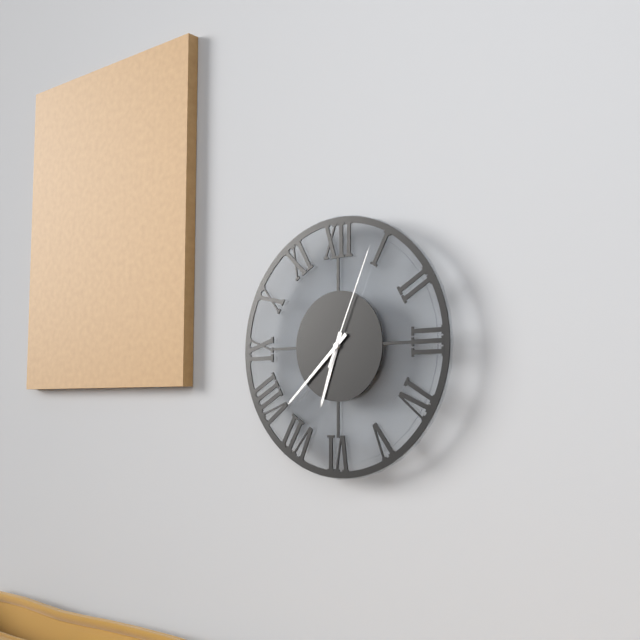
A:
6,38,04
